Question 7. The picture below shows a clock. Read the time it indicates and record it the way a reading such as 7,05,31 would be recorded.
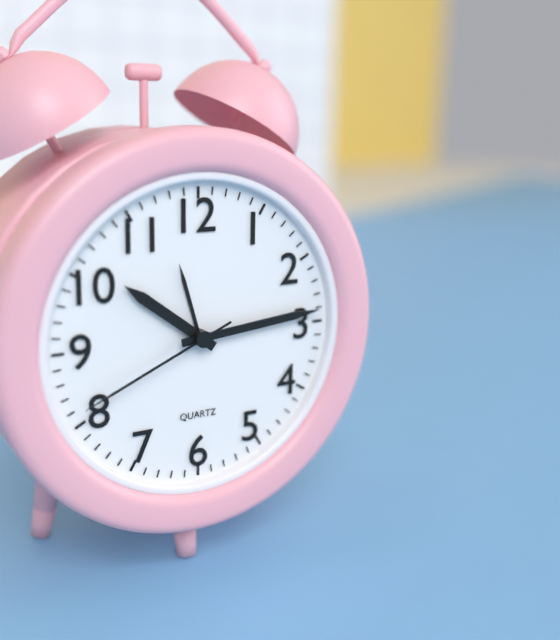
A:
10,14,41
